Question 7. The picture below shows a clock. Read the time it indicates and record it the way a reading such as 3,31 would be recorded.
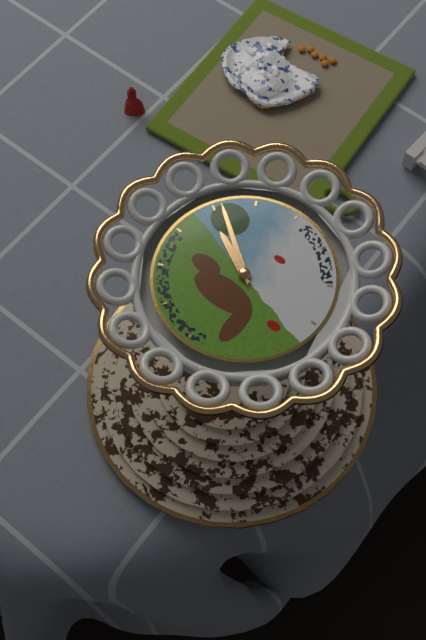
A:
9,51
